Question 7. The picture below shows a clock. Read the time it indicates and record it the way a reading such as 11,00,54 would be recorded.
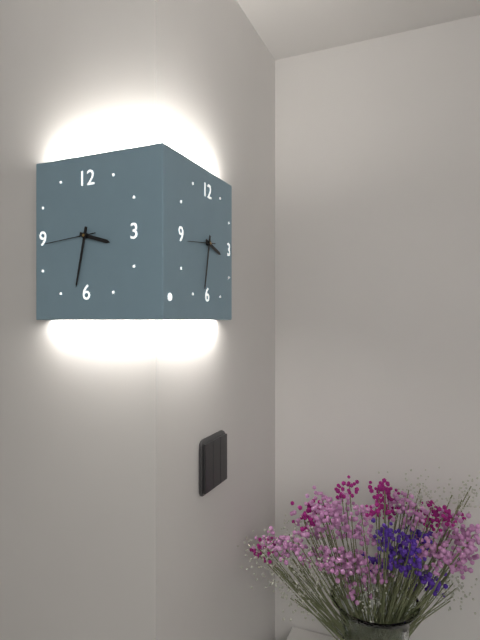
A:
3,32,44
